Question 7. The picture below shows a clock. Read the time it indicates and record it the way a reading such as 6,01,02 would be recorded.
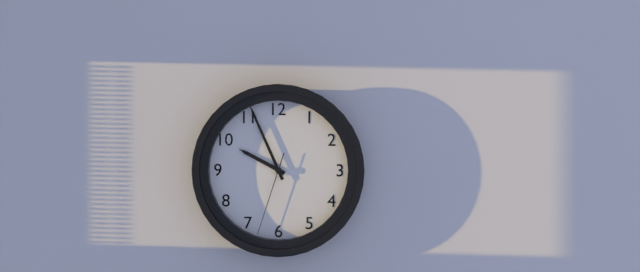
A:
9,56,33
